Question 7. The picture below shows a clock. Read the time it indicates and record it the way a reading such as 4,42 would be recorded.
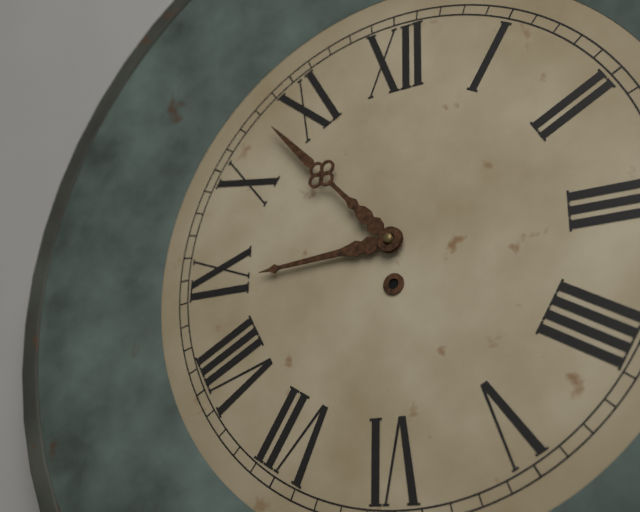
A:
8,53
